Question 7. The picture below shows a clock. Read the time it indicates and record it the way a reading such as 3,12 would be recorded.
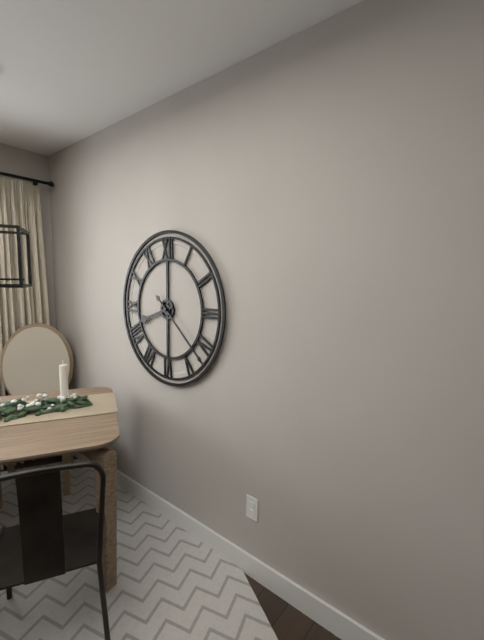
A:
8,22
